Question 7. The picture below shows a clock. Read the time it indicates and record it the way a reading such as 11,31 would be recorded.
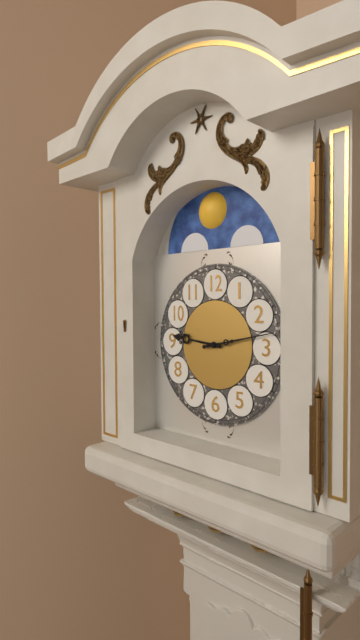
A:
9,13
